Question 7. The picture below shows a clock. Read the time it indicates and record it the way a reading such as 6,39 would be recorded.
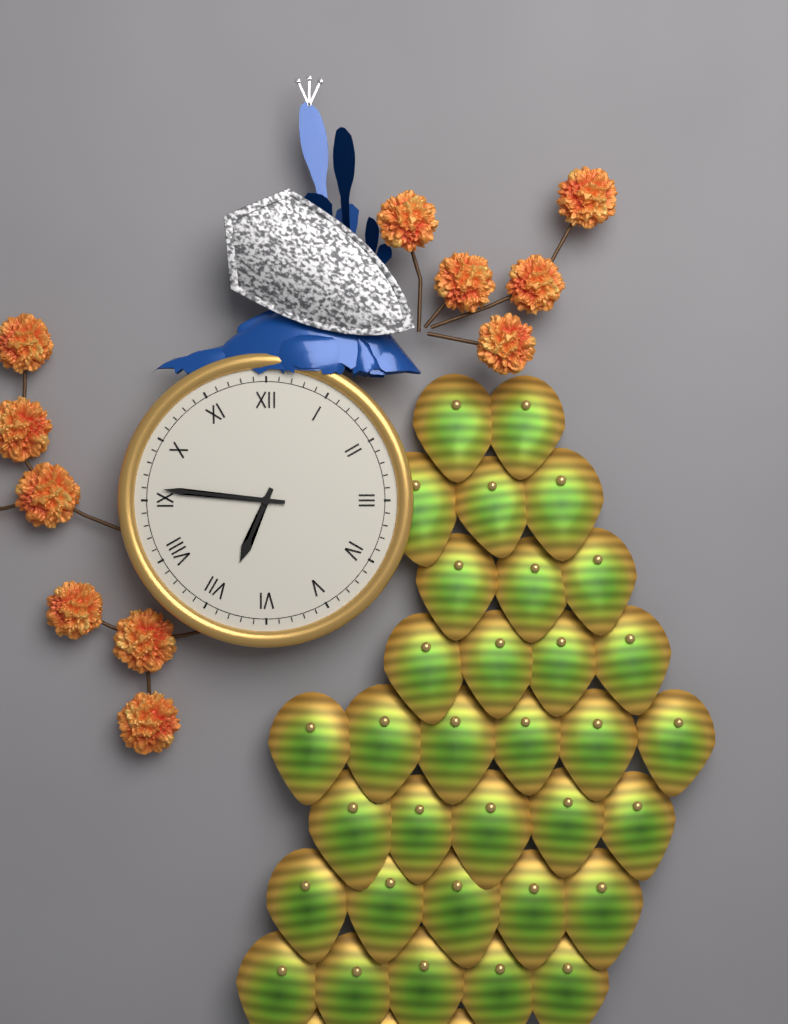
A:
6,46
